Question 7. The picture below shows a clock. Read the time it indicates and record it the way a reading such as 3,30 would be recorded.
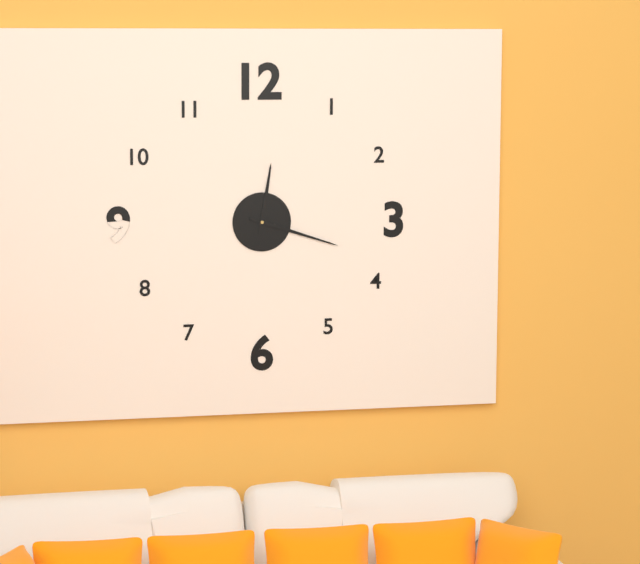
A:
12,18
